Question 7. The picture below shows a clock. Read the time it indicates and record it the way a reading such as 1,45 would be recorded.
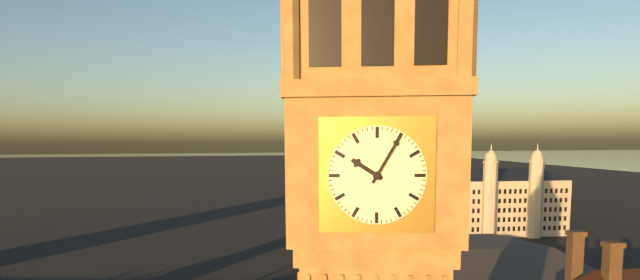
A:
10,05
